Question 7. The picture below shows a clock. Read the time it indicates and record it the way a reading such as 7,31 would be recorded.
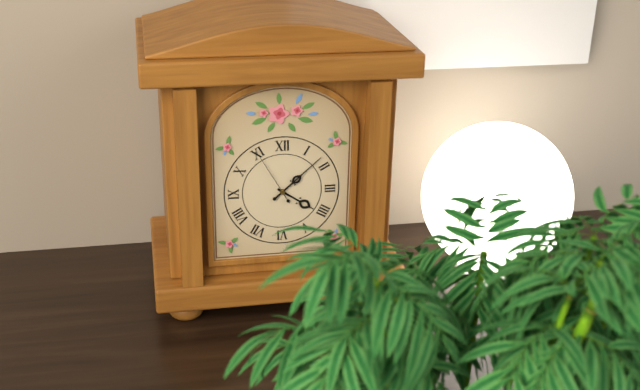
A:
4,08
